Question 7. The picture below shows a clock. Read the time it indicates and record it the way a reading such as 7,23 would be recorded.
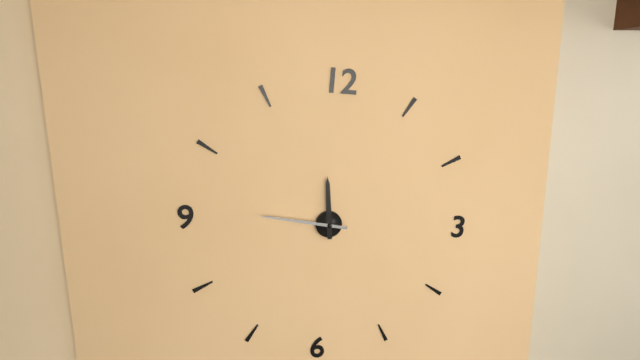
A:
11,46
